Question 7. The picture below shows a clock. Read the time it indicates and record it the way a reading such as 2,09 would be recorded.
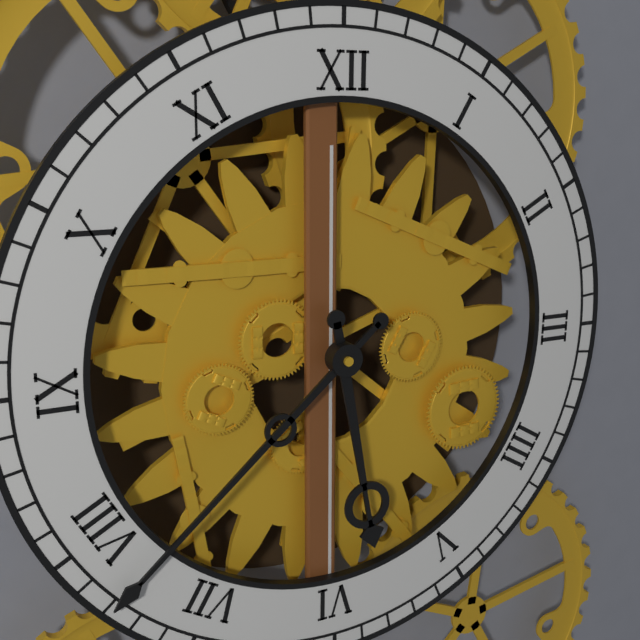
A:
5,38
